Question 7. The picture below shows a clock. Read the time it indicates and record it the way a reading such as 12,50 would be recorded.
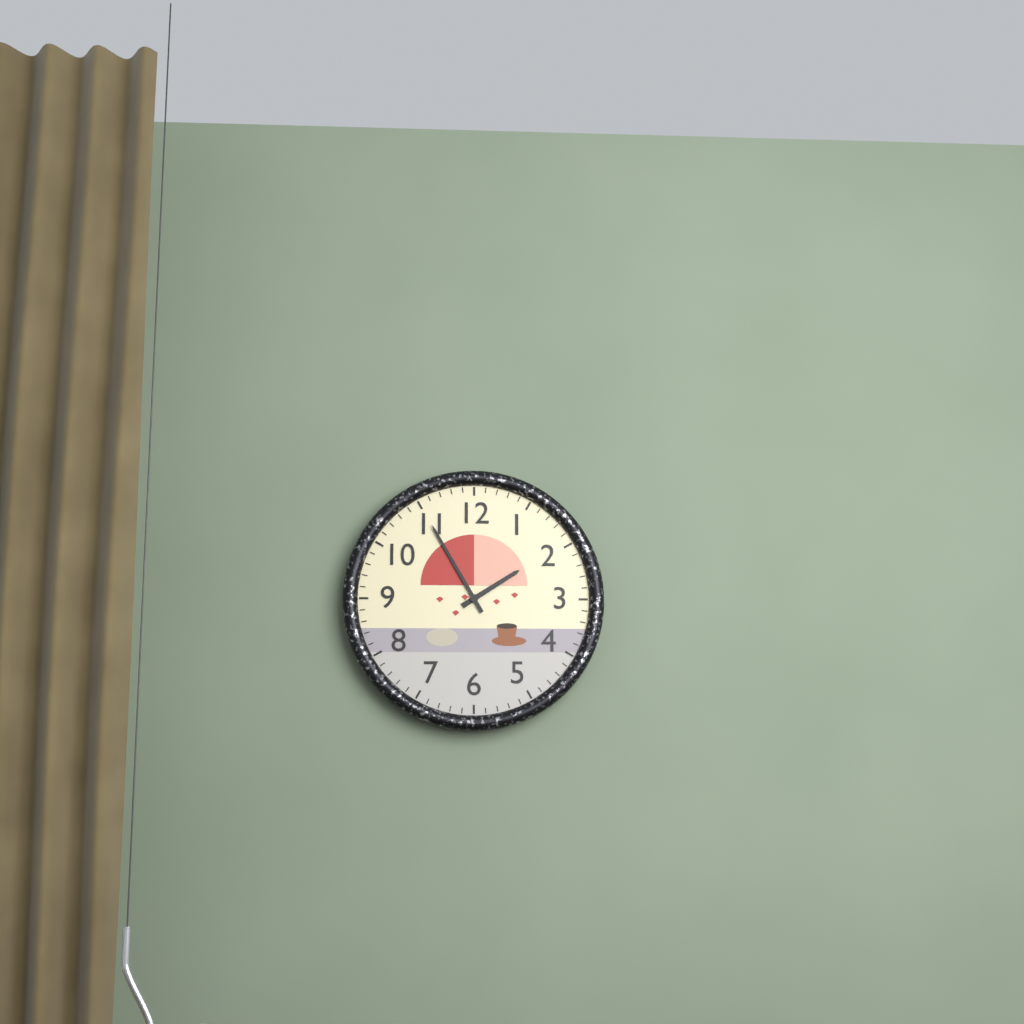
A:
1,55
